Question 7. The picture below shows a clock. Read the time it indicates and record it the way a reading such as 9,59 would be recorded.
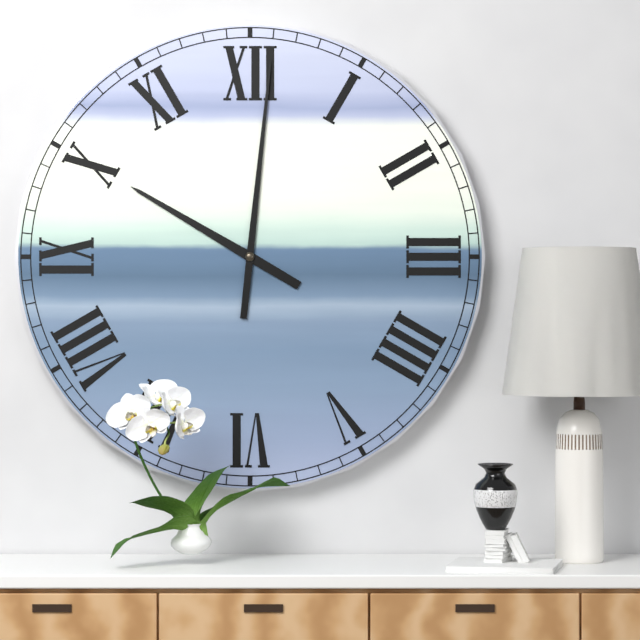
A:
10,01
